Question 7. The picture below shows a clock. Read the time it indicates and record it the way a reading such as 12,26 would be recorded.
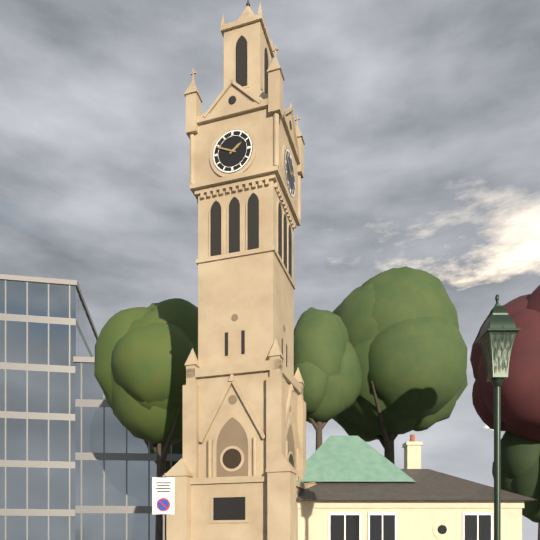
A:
1,49
